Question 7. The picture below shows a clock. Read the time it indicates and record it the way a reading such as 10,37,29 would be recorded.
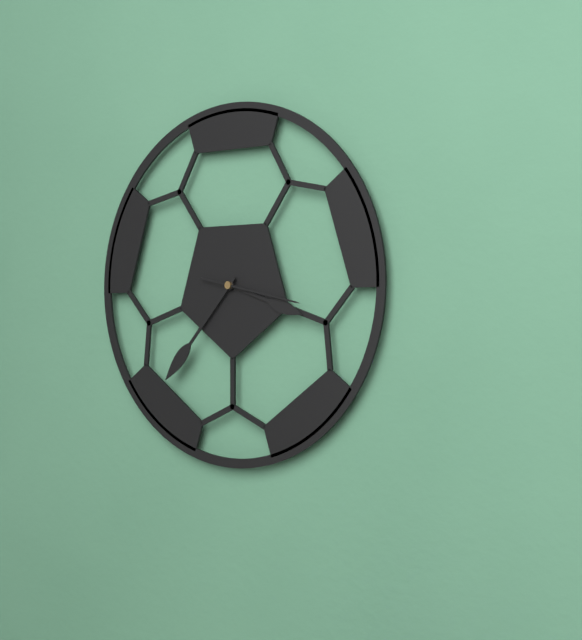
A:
3,37,17
